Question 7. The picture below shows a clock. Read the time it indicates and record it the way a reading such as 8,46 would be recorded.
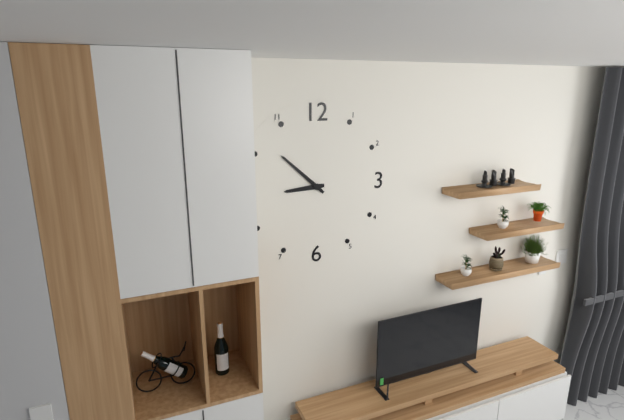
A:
8,52
